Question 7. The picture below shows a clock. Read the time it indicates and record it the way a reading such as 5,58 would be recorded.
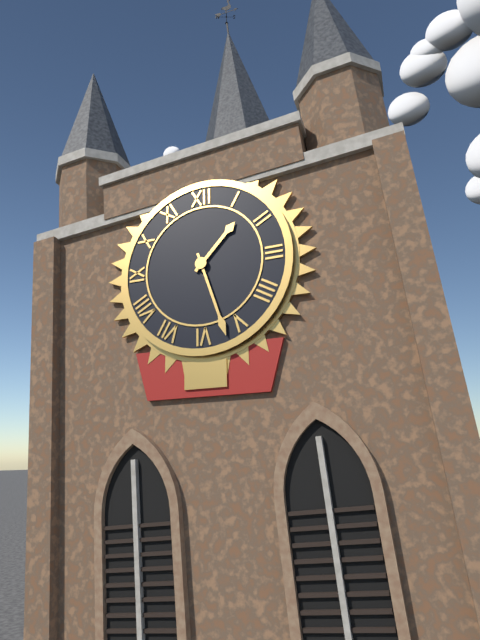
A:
1,27
